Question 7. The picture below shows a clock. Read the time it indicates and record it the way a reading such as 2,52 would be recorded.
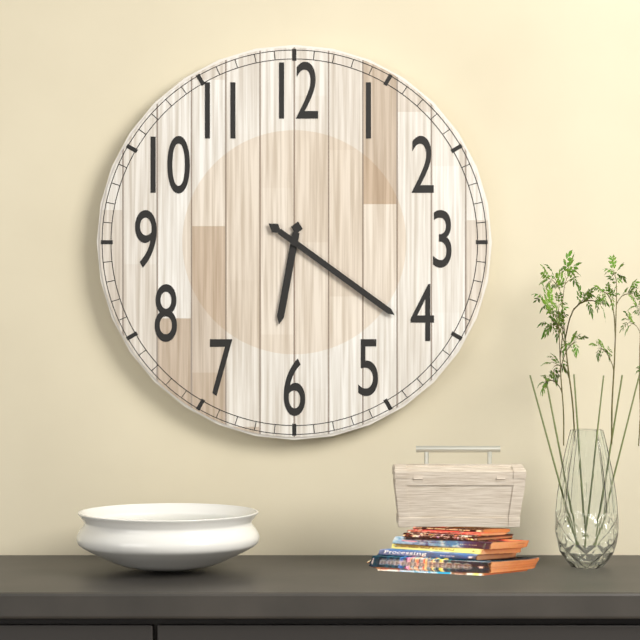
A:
6,21
